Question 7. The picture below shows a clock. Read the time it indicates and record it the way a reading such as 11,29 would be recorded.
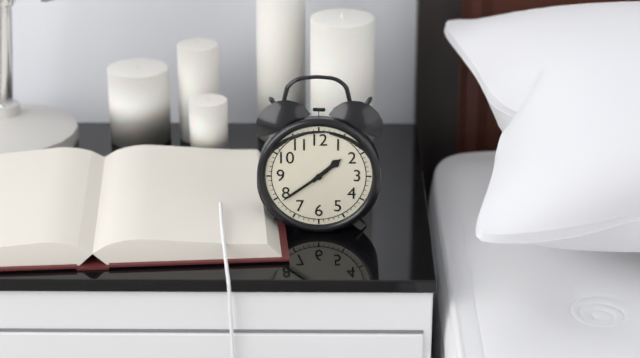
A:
1,39
